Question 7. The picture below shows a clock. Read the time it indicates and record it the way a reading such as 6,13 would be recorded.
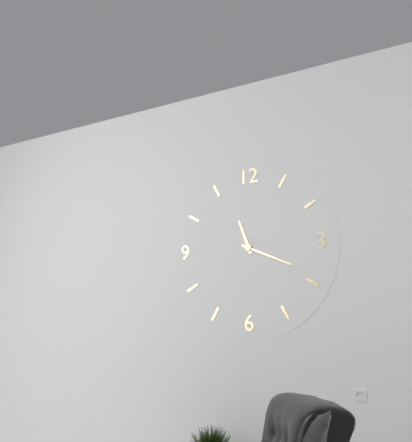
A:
11,19
